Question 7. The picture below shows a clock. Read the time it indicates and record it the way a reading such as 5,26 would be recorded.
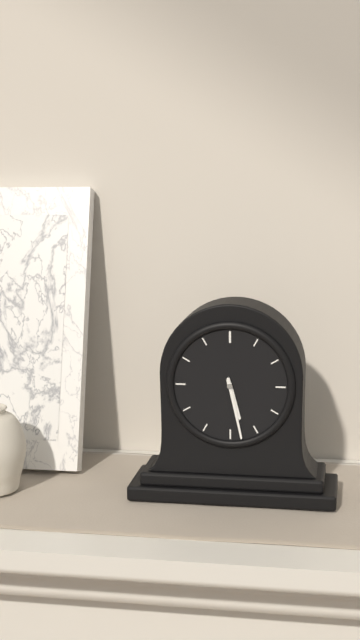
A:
5,28
